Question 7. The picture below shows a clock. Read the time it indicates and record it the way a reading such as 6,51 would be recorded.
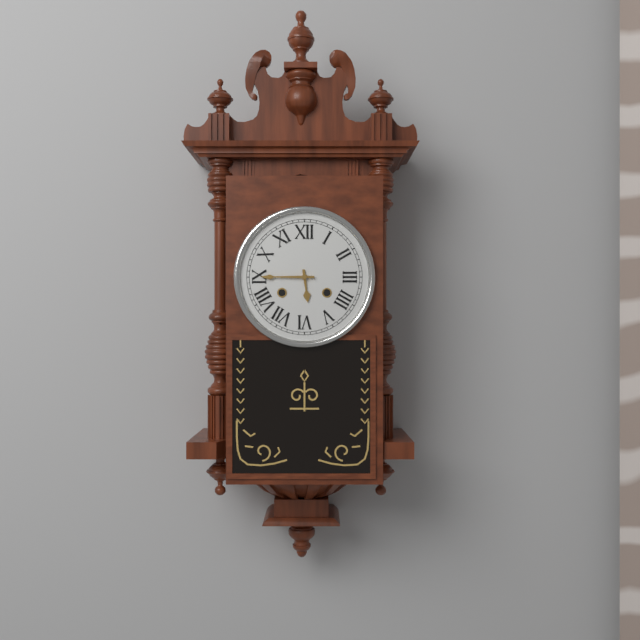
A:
5,45
